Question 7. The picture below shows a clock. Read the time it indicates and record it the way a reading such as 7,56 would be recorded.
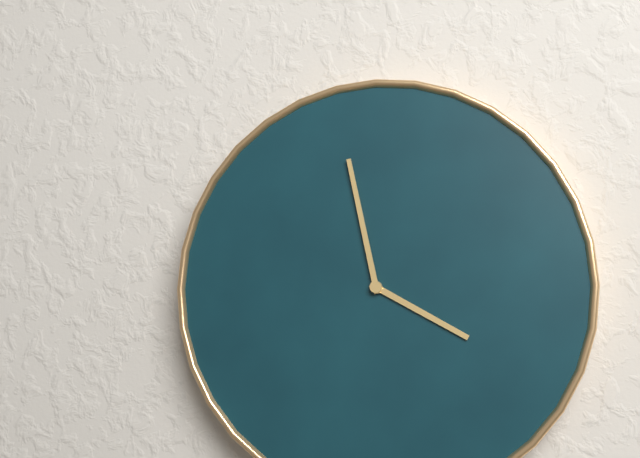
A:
3,58
